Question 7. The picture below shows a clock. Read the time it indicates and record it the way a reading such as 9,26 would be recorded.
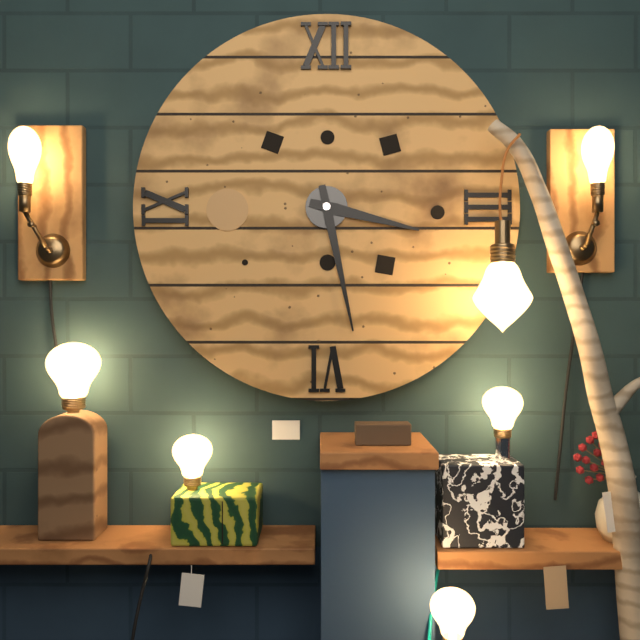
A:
3,28
